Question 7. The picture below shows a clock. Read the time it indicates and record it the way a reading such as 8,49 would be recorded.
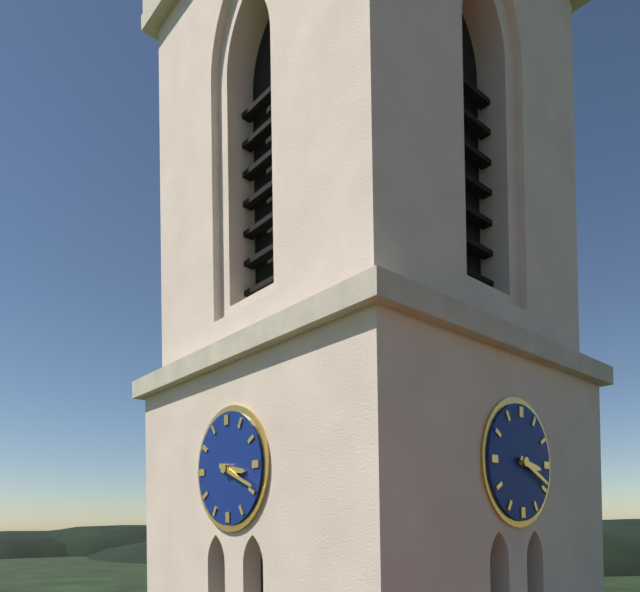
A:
3,19
